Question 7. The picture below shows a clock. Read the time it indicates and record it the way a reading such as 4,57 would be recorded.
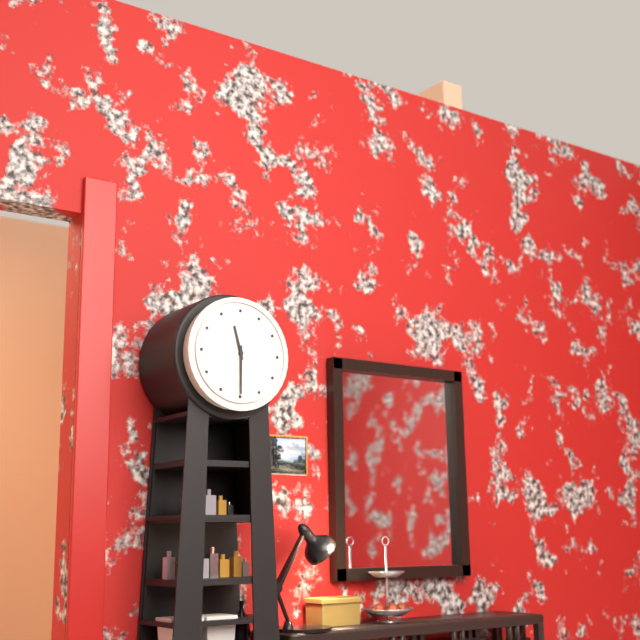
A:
11,30
